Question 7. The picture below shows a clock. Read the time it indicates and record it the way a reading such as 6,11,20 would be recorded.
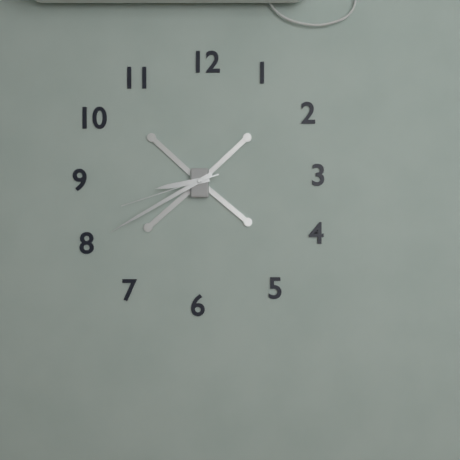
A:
8,40,42
